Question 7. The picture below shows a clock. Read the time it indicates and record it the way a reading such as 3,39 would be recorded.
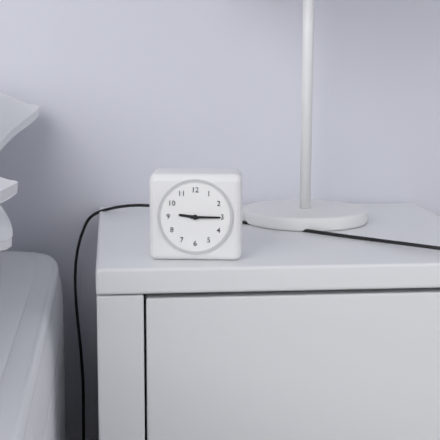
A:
9,15
